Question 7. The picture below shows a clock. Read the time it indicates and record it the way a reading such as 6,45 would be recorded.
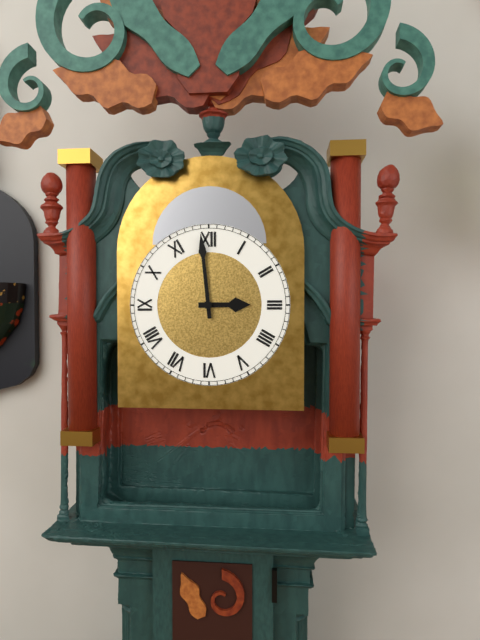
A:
2,59
